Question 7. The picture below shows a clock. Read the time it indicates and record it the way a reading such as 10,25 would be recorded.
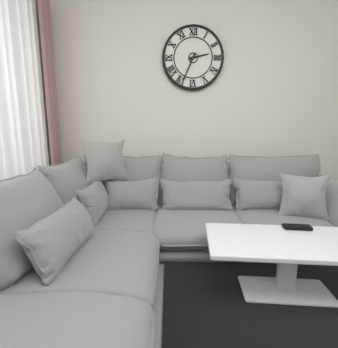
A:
2,34
